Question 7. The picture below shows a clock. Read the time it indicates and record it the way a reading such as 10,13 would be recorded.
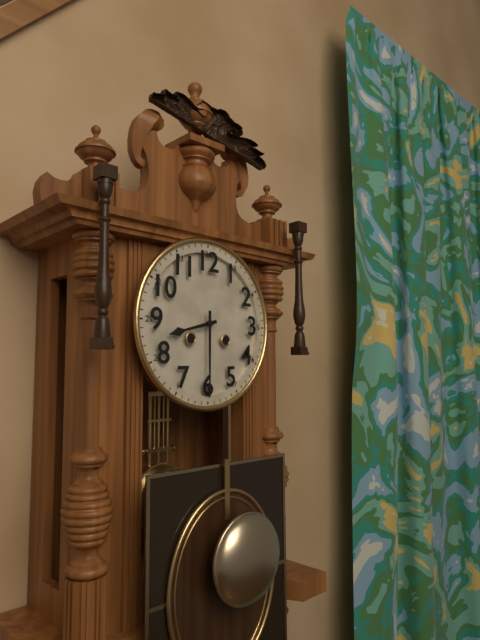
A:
8,30
